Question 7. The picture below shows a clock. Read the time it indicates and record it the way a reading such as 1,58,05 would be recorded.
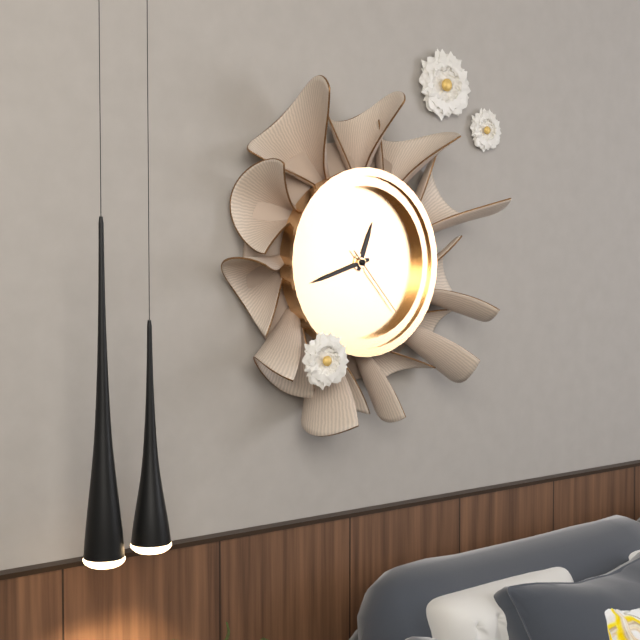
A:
12,42,23
